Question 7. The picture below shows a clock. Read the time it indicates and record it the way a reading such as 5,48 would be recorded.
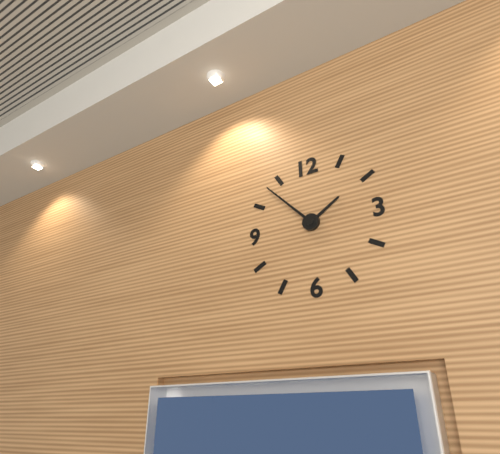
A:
1,53
